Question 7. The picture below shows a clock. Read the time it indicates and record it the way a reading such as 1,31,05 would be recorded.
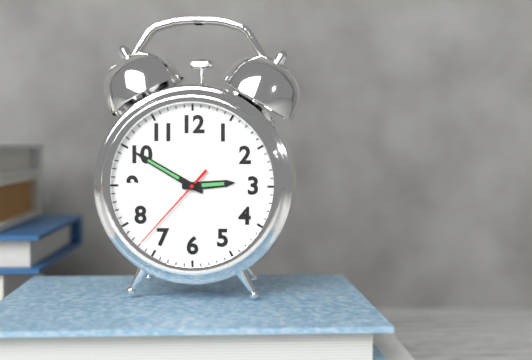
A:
2,50,37
